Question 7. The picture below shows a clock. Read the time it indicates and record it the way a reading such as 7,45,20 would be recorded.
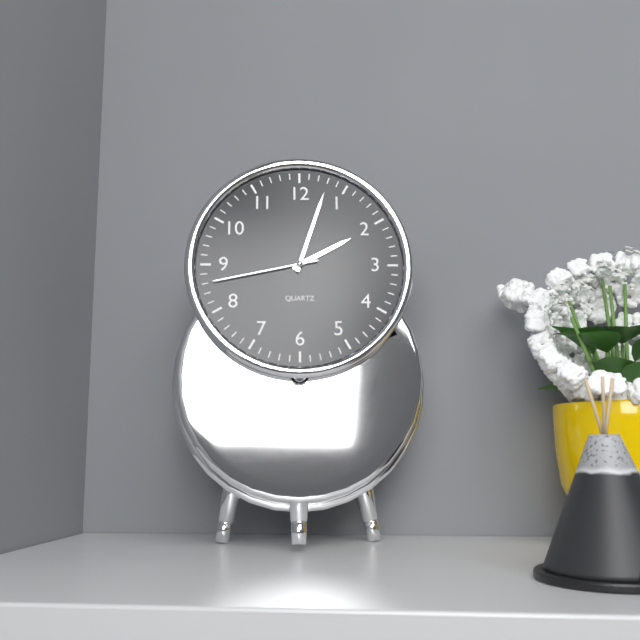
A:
2,03,43
